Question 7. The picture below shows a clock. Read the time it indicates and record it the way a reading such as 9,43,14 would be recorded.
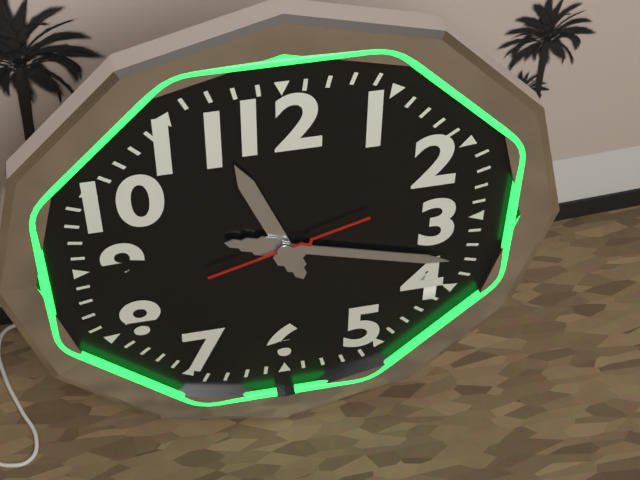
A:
11,18,12
